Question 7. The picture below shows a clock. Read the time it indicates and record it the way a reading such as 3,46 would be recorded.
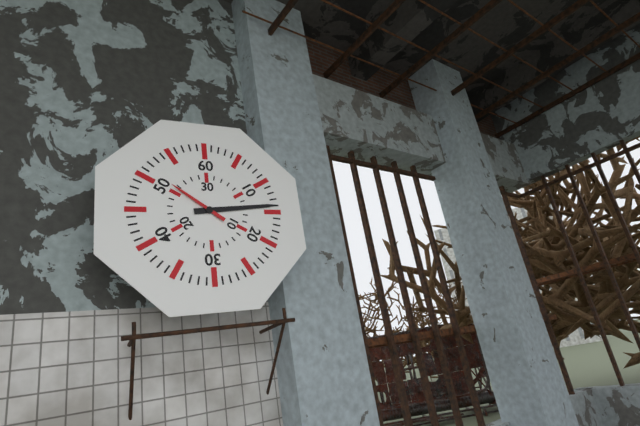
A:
10,14
